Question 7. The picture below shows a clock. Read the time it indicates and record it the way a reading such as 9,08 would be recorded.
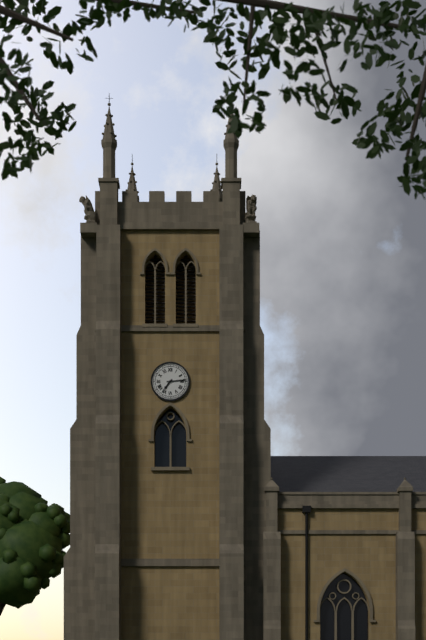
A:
7,14
